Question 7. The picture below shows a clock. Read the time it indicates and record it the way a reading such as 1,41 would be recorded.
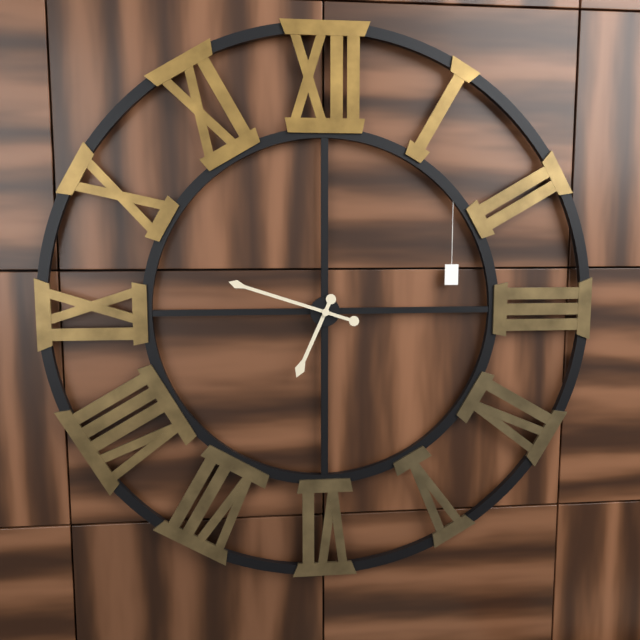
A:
6,48
